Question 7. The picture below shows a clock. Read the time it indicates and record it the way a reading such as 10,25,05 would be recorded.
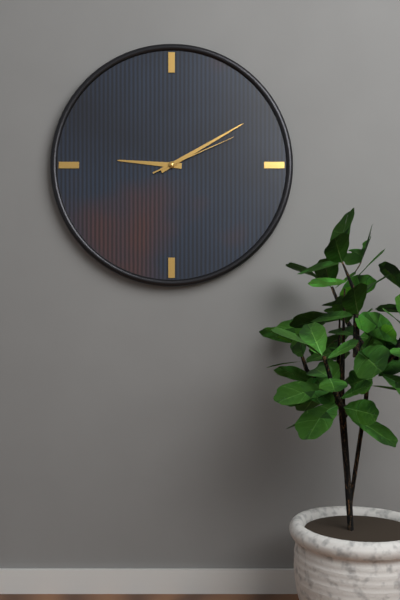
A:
9,10,11
